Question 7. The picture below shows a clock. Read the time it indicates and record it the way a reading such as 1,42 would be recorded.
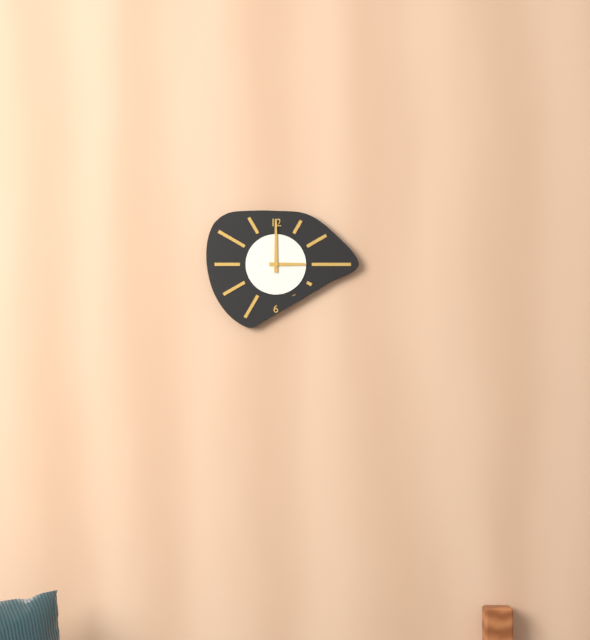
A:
3,00
